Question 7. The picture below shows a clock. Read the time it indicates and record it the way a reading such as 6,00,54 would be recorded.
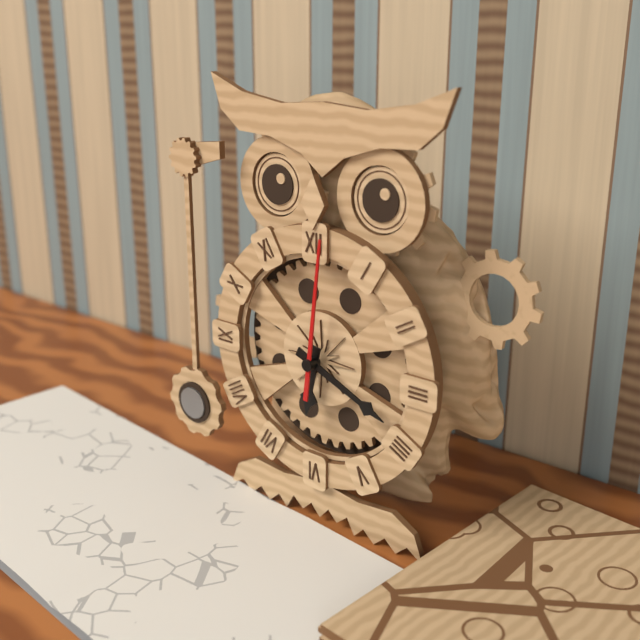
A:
6,19,01
